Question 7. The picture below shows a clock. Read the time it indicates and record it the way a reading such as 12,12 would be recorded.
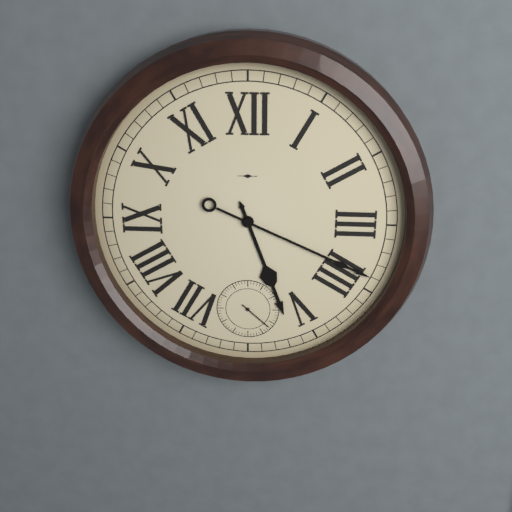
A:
5,19
